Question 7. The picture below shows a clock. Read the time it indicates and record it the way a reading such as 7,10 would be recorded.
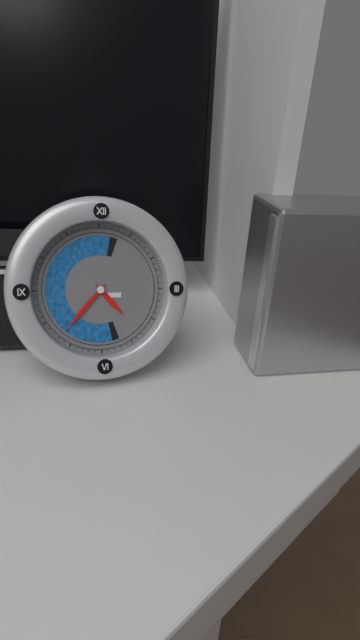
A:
4,37
